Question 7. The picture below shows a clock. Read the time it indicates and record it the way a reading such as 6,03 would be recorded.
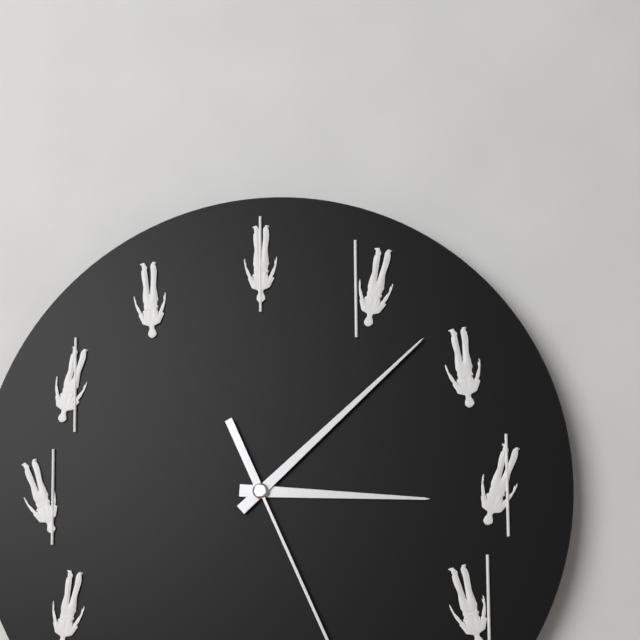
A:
3,08
